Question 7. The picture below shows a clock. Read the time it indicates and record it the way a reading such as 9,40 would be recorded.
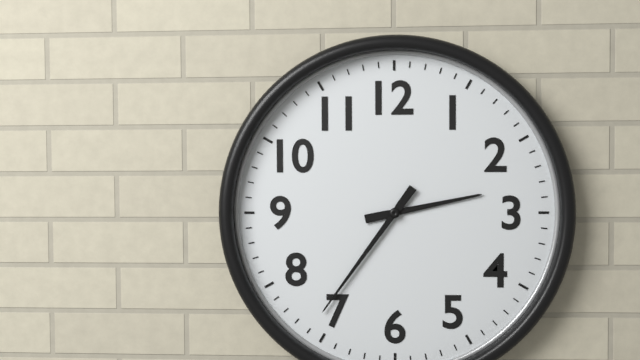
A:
2,36
